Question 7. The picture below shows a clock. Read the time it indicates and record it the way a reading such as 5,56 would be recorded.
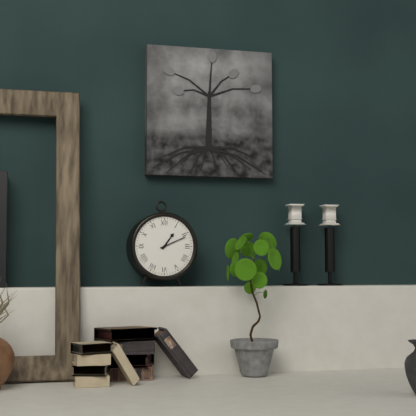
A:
1,11
